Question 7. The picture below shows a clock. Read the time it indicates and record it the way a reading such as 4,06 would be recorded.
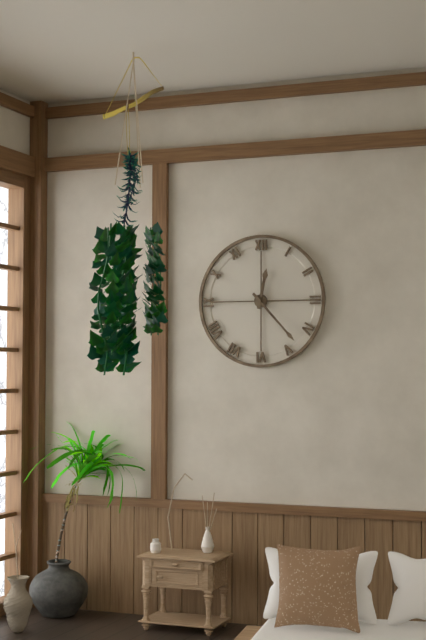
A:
12,23
